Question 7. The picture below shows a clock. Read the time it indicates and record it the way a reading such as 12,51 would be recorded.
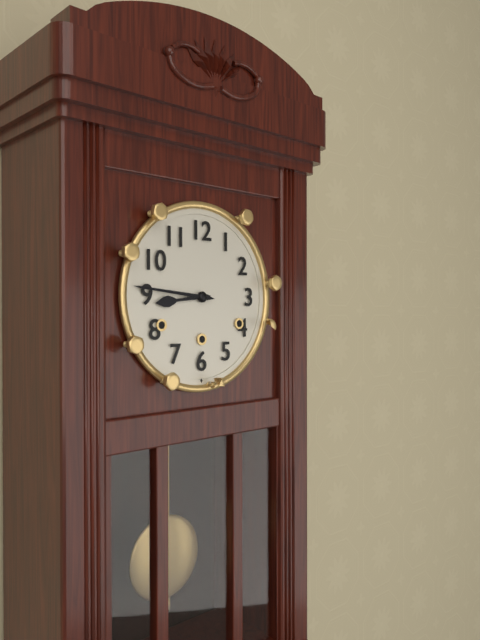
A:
8,46
